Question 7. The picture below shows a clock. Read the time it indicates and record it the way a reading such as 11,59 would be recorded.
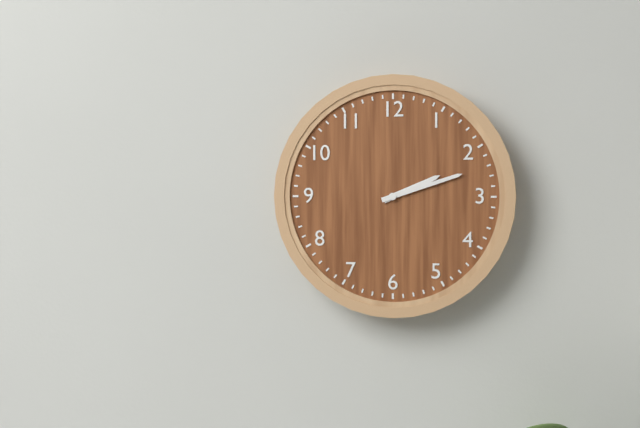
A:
2,12
